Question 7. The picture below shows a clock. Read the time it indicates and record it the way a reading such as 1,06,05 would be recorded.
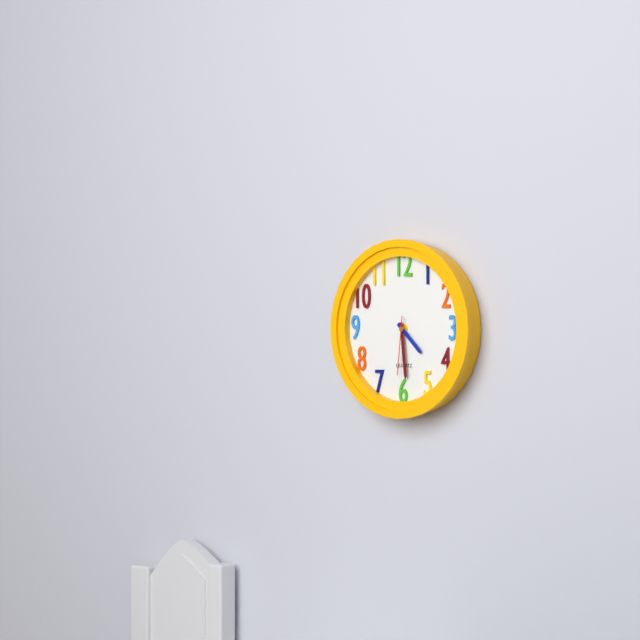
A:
4,29,31
